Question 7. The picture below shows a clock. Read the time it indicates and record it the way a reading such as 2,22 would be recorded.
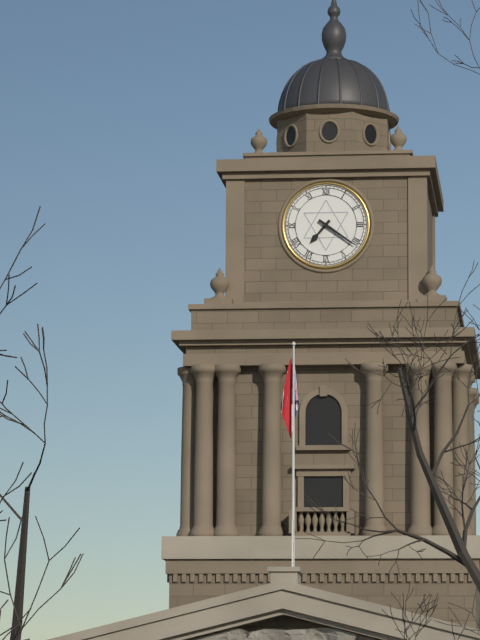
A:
7,21
